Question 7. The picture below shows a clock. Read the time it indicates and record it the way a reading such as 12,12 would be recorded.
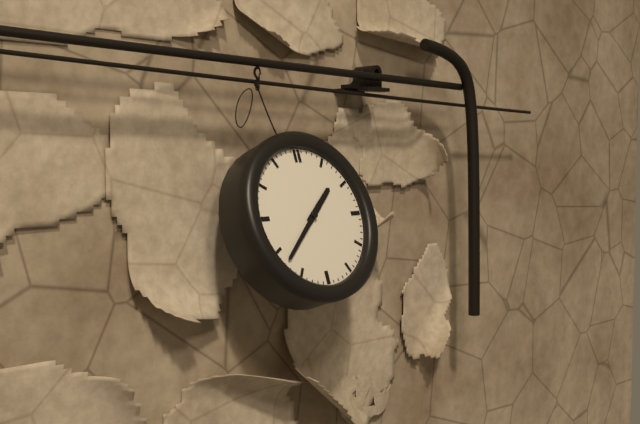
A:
1,38
